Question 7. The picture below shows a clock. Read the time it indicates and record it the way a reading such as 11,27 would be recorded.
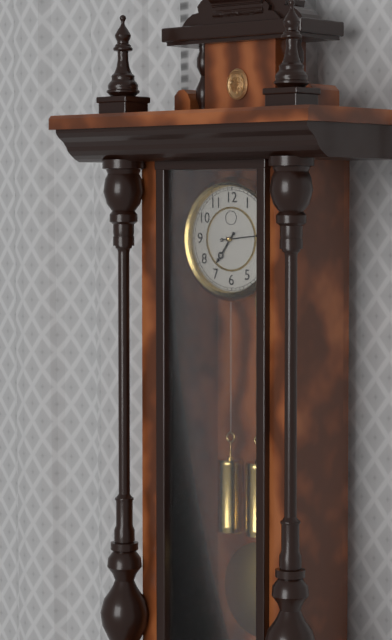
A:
7,14
